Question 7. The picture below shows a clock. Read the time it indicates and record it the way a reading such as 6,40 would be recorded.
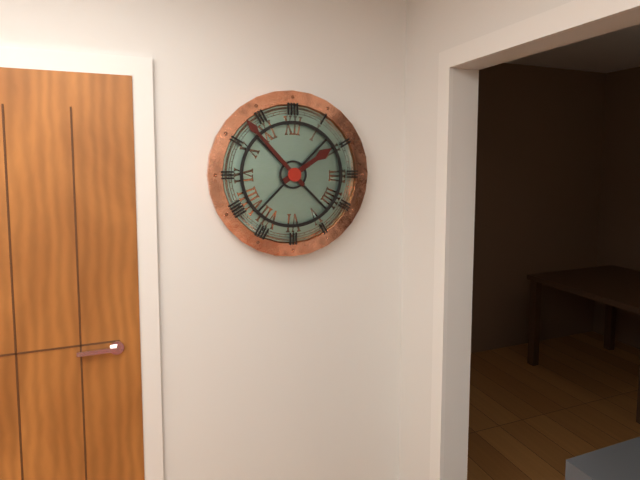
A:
1,53
